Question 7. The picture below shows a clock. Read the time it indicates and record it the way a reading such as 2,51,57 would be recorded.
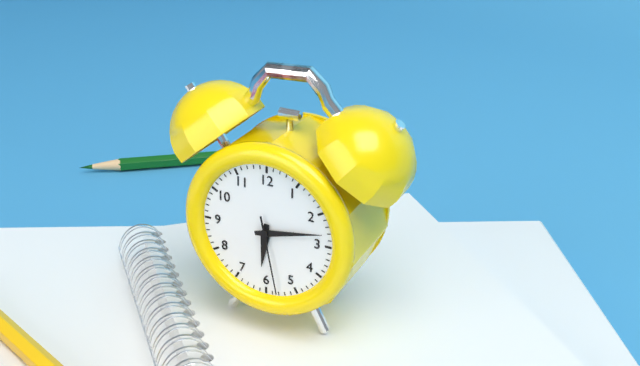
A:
6,13,28
